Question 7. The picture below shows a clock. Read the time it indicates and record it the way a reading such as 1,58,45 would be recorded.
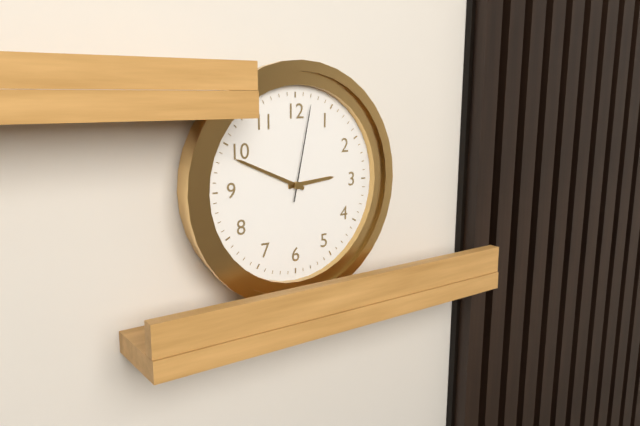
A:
2,49,02
